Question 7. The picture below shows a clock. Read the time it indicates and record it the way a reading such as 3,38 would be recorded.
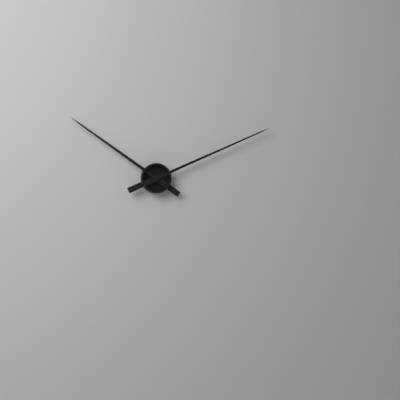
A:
10,11
